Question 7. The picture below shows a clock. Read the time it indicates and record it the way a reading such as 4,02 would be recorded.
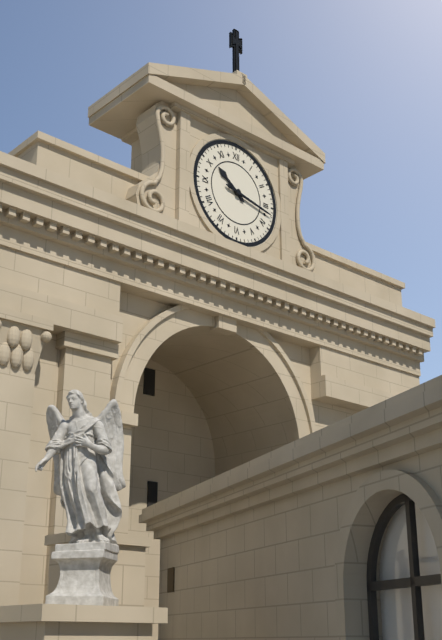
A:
10,17
